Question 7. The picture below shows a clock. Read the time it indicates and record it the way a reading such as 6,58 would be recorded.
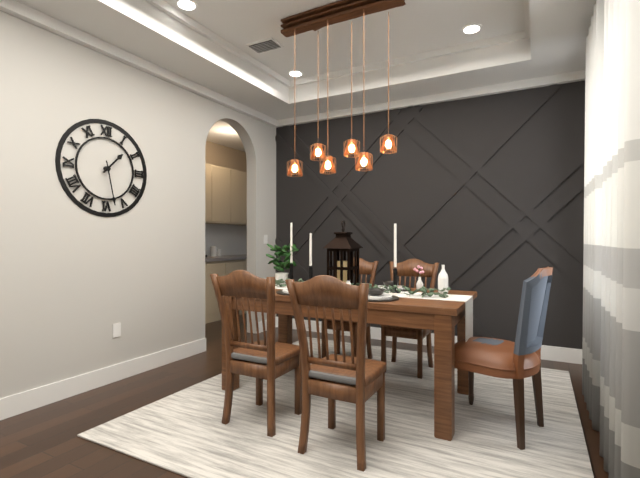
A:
1,28
